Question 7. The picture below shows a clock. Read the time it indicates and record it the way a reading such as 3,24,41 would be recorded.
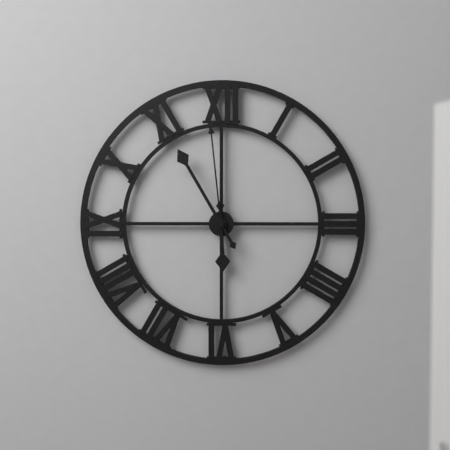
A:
5,55,59
